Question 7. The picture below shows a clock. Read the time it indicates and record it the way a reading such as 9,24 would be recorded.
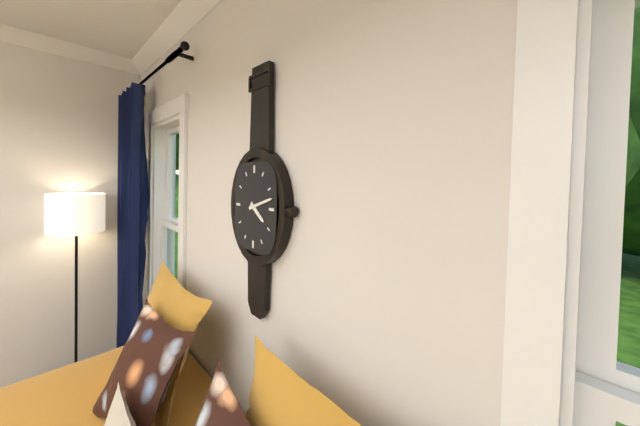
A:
4,12
